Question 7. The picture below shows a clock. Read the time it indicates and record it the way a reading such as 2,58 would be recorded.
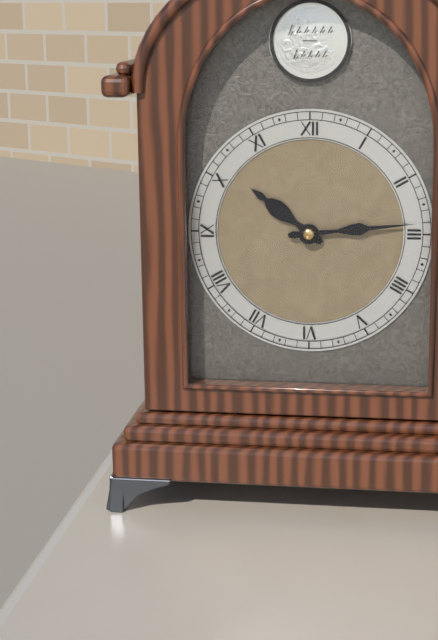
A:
10,14
